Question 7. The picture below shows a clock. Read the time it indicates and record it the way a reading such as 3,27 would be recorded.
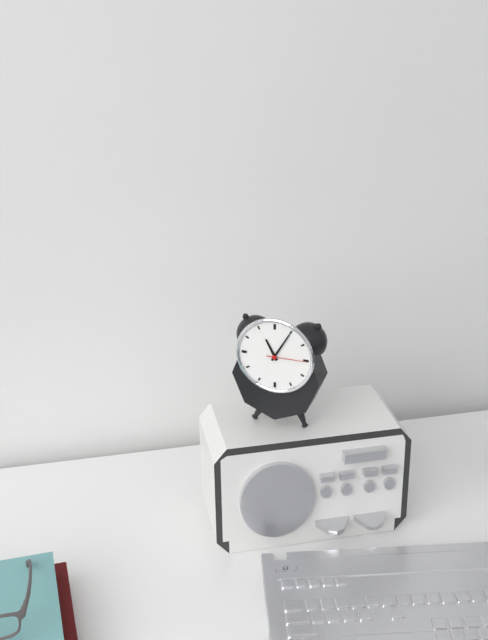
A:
11,05
